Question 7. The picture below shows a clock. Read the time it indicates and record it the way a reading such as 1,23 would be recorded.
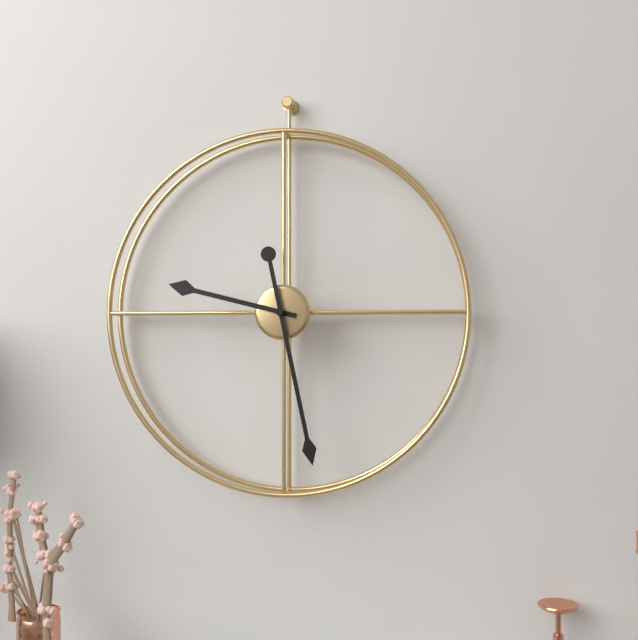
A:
9,28
